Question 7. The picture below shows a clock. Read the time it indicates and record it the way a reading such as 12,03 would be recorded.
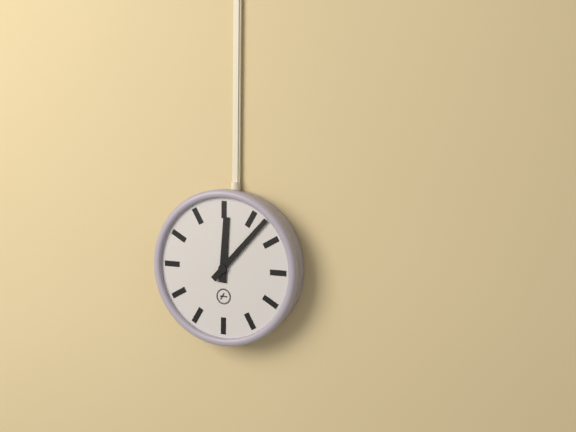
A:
12,07
